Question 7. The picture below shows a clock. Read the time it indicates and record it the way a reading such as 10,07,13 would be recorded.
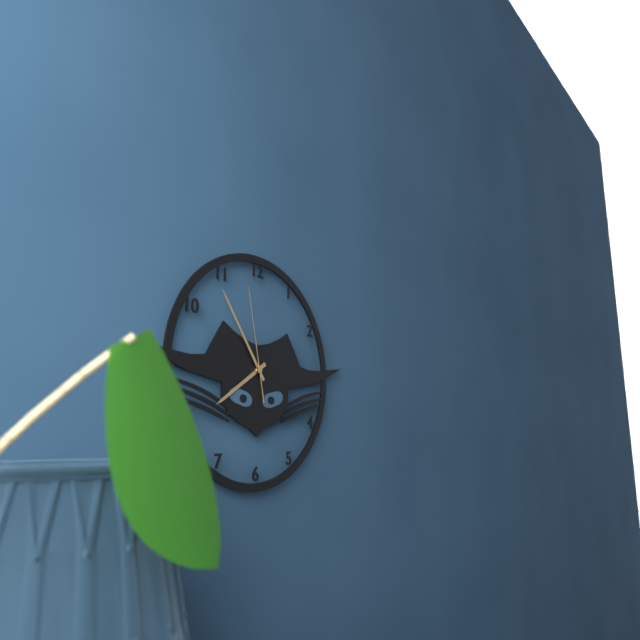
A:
7,54,58
